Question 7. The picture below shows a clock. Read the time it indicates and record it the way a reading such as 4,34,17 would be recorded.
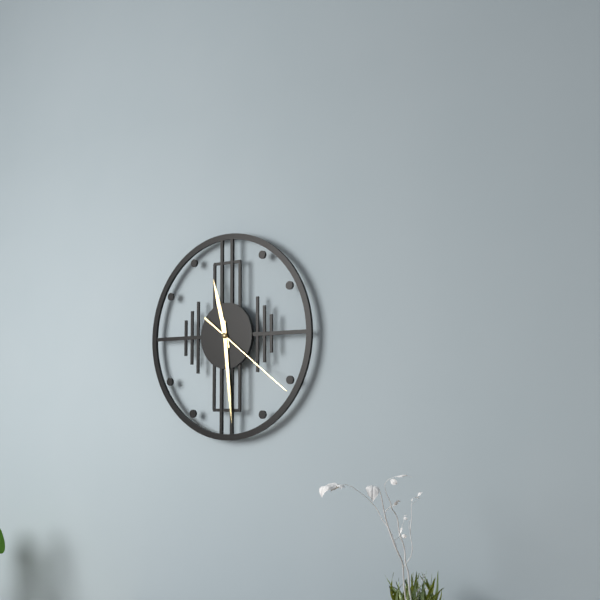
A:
11,29,21
